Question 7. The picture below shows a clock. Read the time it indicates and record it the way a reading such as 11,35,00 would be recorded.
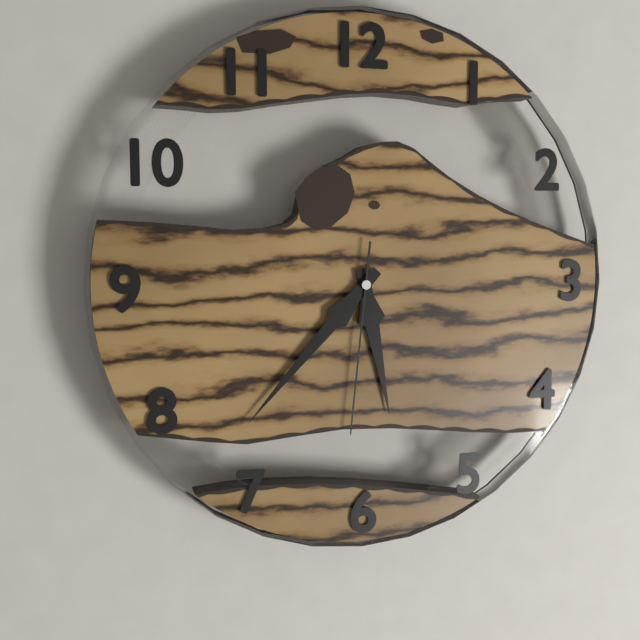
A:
5,37,31
